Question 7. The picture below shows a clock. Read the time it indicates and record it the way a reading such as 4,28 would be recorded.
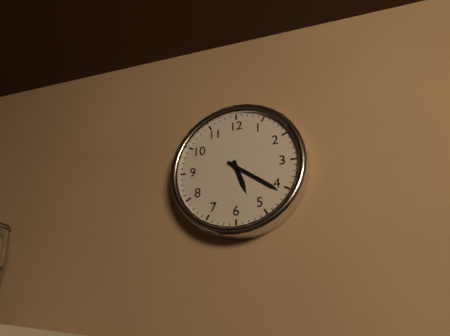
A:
5,21
